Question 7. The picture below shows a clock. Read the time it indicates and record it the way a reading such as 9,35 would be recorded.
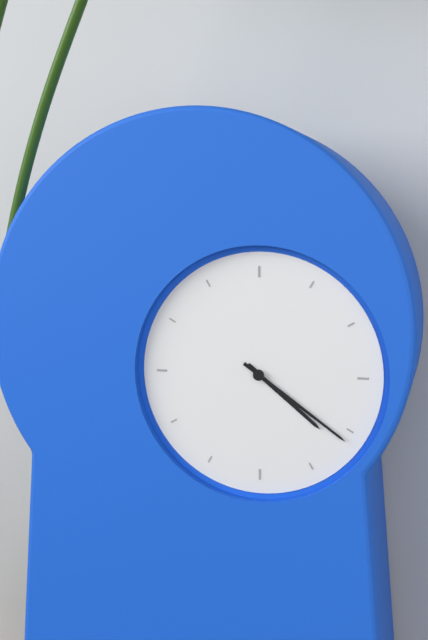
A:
4,21
